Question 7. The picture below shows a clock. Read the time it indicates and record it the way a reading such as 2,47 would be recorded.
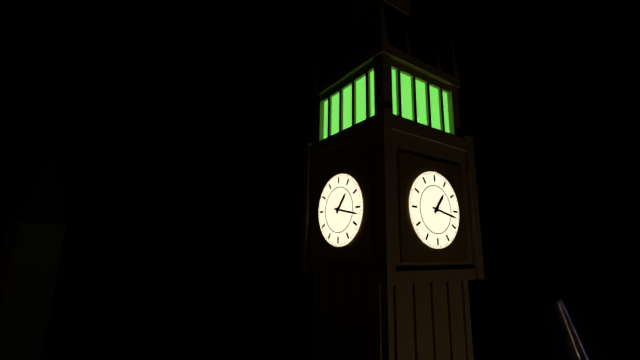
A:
1,17
